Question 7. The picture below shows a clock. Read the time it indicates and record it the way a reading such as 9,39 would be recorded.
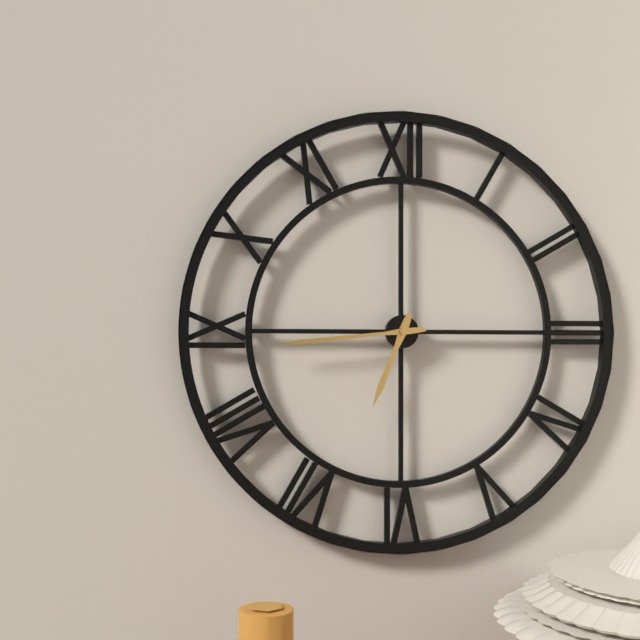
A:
6,44
